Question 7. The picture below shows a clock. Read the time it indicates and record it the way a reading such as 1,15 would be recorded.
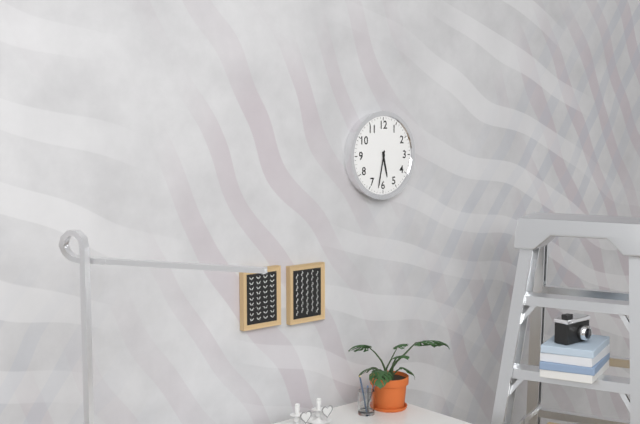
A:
5,32
